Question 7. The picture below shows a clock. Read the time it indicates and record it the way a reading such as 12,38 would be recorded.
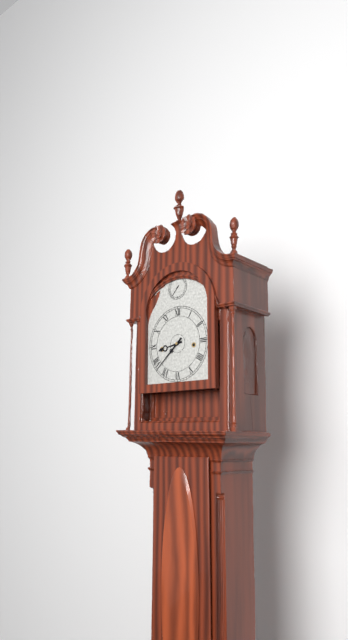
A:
8,38
